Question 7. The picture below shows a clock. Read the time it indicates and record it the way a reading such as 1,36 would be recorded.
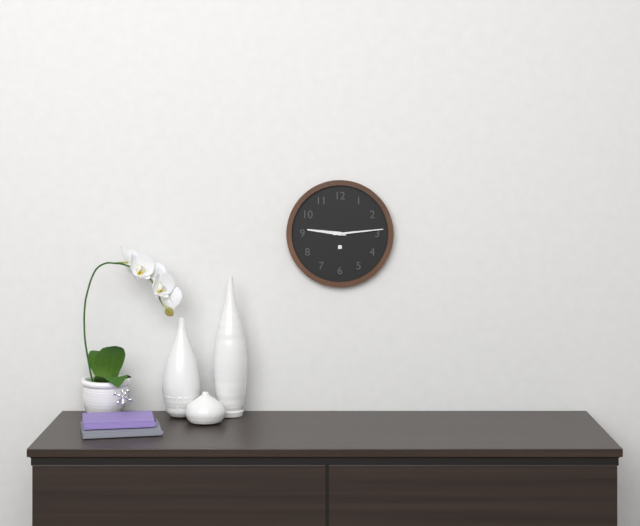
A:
9,14
